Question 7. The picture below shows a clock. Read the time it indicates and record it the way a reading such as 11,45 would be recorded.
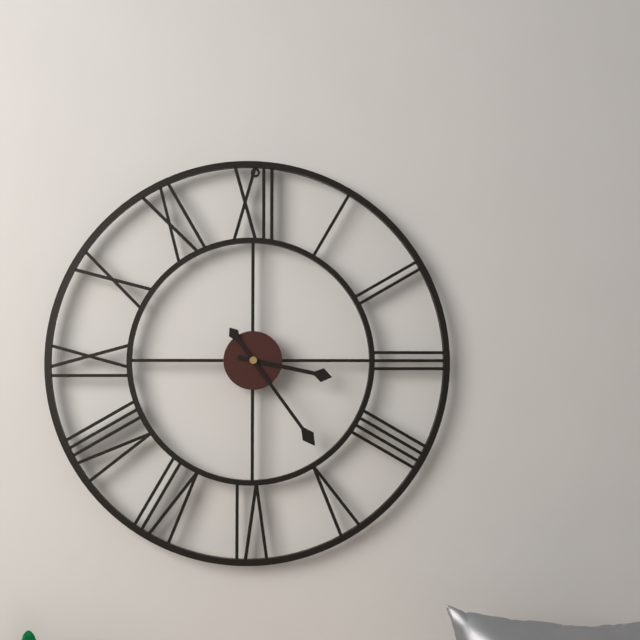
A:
3,24
